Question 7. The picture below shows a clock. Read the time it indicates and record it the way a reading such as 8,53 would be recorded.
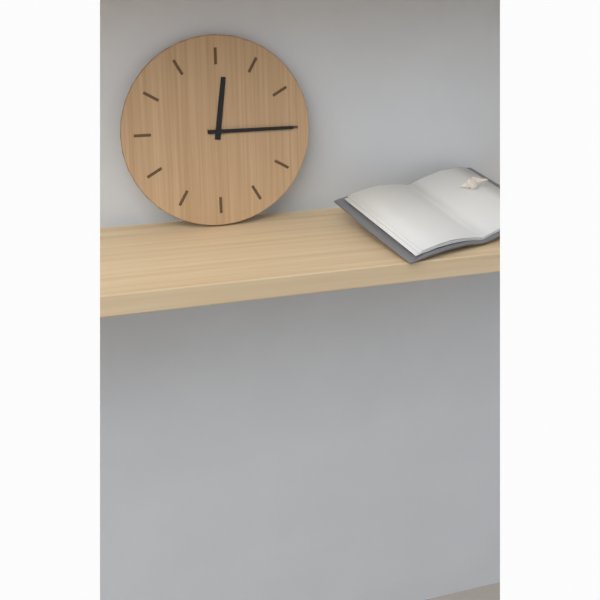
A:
12,15
